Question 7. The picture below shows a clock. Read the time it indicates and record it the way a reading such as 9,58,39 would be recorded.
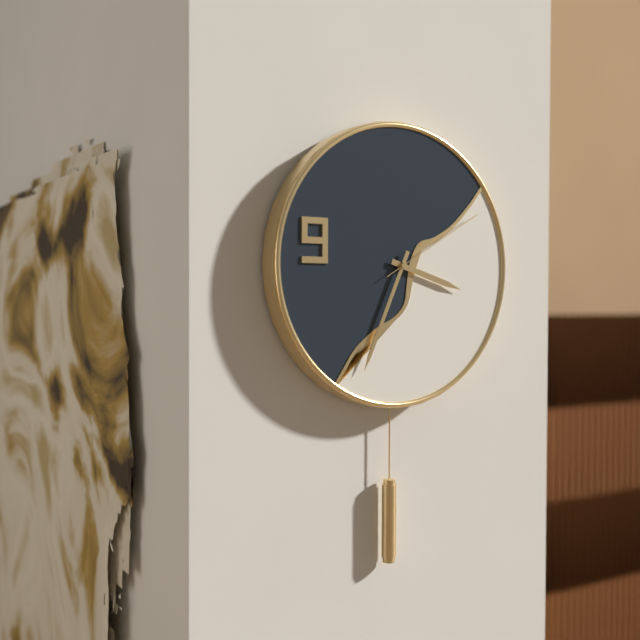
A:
3,34,10
